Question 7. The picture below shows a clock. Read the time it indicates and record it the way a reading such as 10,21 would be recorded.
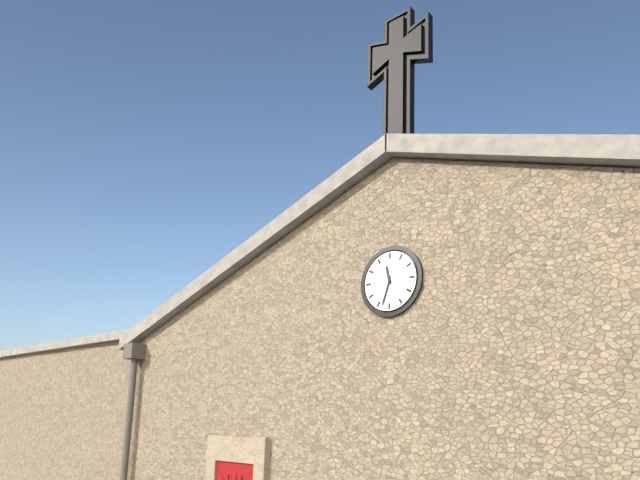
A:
11,33
